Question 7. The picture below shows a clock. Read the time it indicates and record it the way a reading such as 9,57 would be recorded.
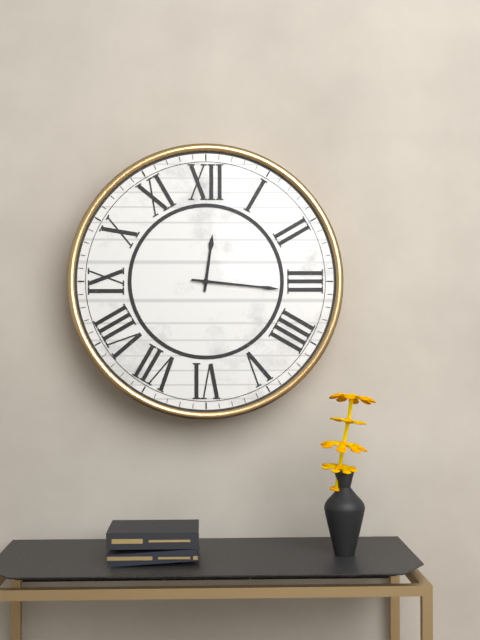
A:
12,16
